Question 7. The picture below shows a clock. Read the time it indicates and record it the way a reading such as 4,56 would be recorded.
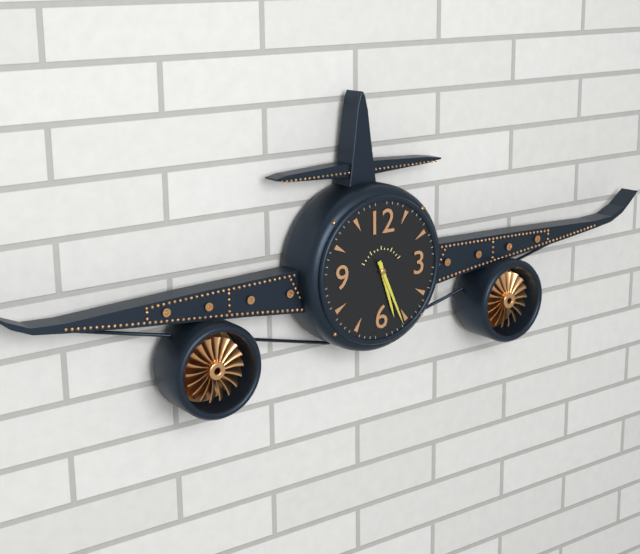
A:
5,26
